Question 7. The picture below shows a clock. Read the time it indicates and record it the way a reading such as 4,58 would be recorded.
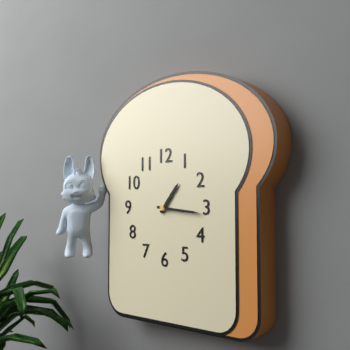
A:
1,16
